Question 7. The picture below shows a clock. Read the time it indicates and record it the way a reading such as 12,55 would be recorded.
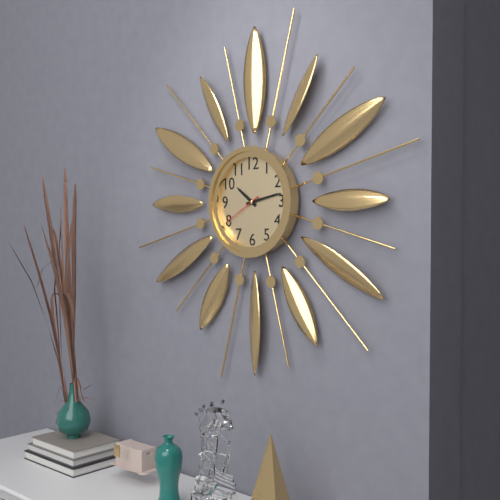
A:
10,13
